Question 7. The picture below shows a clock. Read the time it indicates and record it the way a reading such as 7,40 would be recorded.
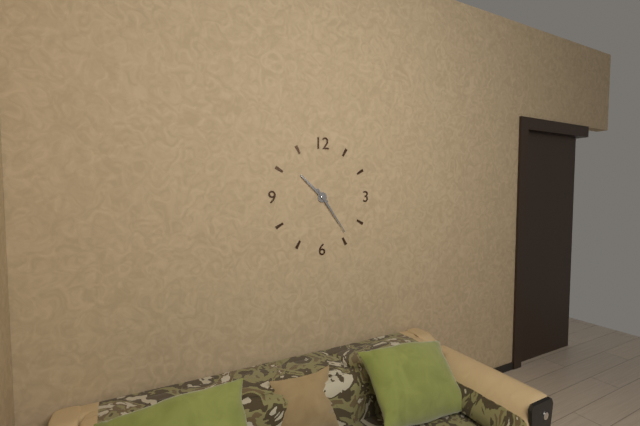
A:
10,24
